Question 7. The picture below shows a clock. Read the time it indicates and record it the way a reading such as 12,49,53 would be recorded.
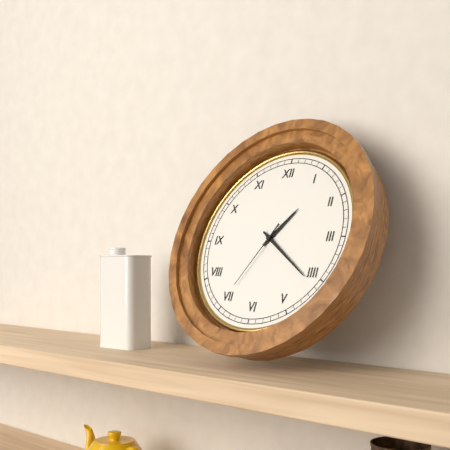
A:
1,21,35
